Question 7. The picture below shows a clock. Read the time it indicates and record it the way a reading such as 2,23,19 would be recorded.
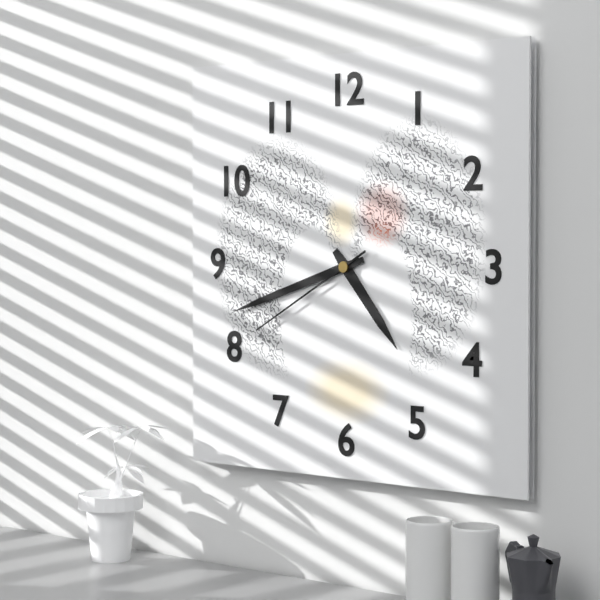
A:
4,42,40
